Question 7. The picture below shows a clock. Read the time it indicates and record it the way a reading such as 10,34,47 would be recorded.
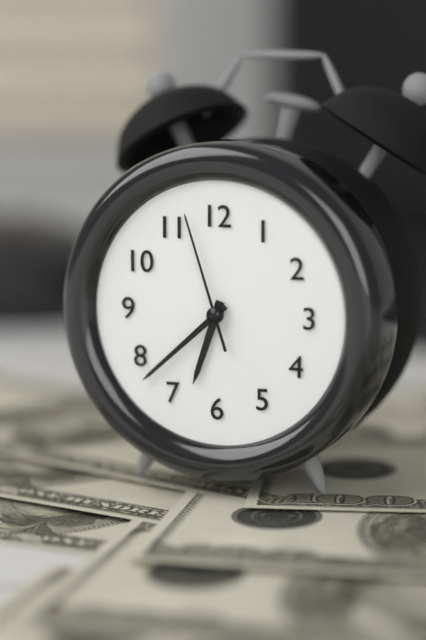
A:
6,38,57
